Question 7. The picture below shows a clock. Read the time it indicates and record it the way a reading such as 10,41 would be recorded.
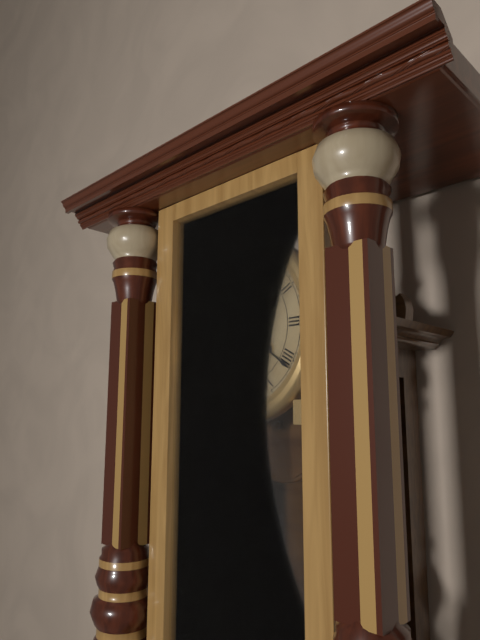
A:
6,21
